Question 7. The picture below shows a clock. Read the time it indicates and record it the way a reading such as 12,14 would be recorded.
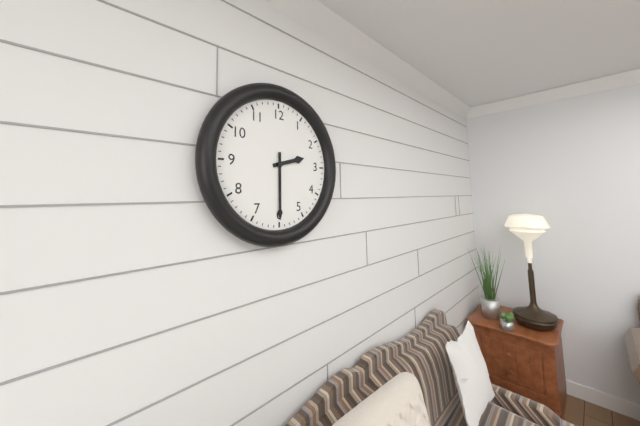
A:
2,30
